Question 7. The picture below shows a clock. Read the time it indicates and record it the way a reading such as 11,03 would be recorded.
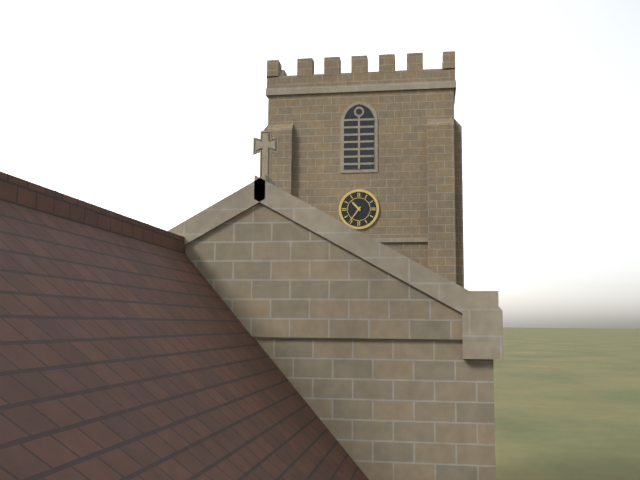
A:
10,36
